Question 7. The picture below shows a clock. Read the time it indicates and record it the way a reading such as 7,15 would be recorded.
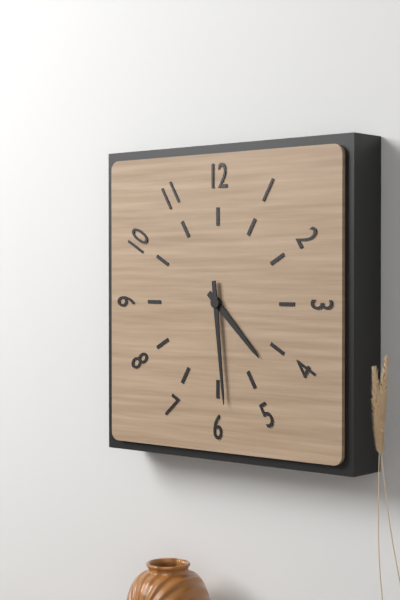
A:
4,29
